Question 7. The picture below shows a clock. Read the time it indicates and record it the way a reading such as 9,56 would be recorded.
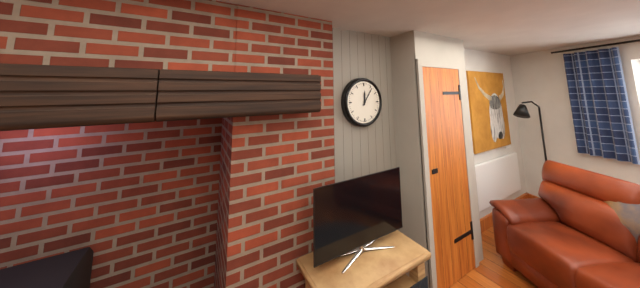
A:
12,06
